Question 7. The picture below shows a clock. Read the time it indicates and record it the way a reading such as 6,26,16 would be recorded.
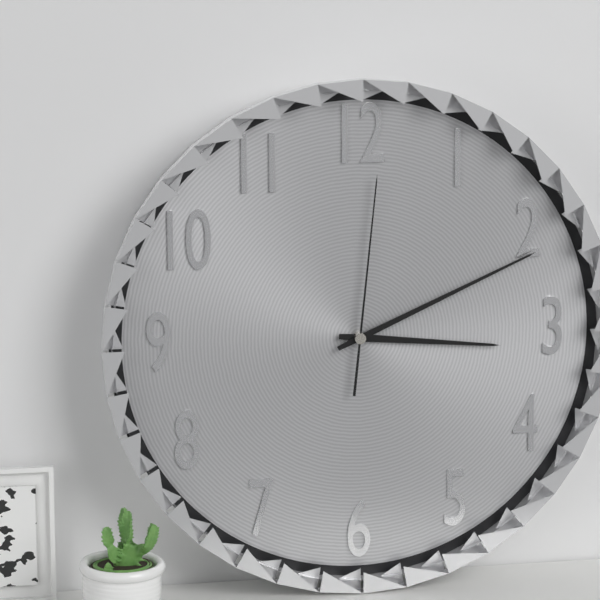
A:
3,11,01
